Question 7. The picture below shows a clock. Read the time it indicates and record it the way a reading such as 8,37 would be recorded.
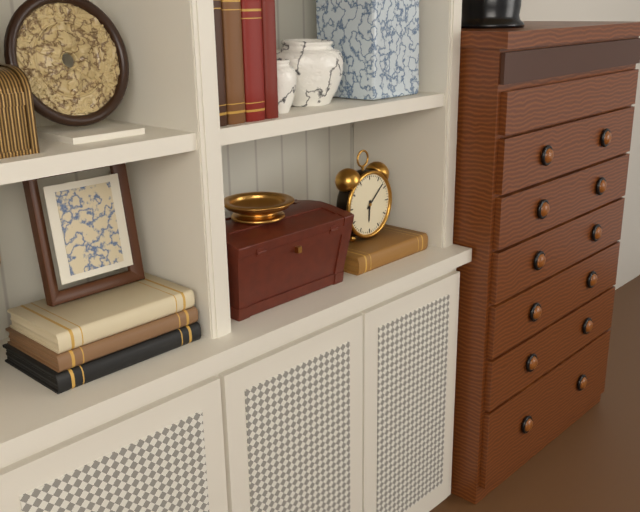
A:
6,08
